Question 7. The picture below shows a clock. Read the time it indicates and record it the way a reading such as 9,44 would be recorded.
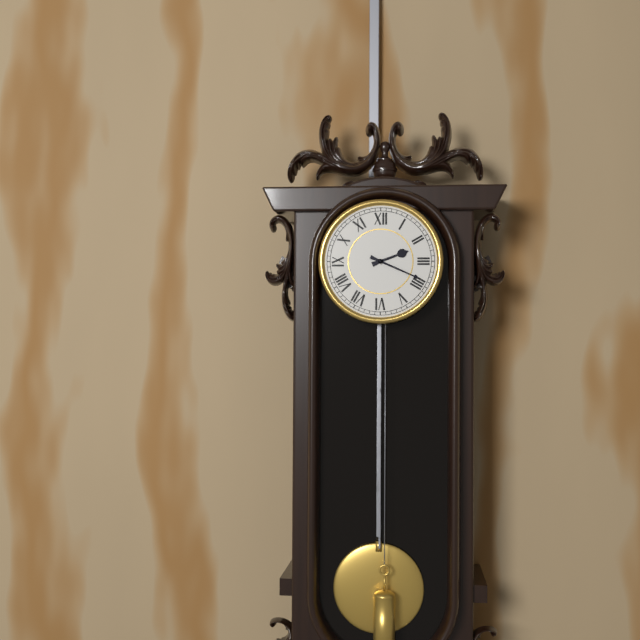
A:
2,19
